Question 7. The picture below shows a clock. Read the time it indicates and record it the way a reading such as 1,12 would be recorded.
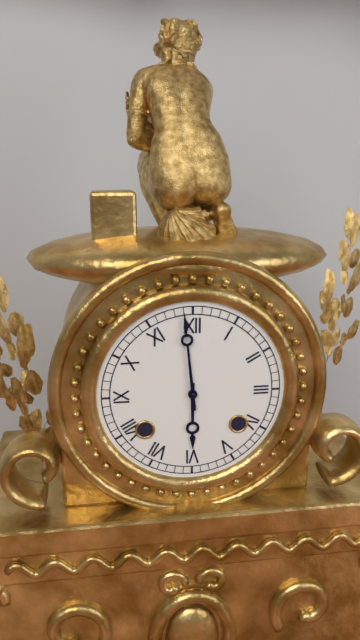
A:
5,59
